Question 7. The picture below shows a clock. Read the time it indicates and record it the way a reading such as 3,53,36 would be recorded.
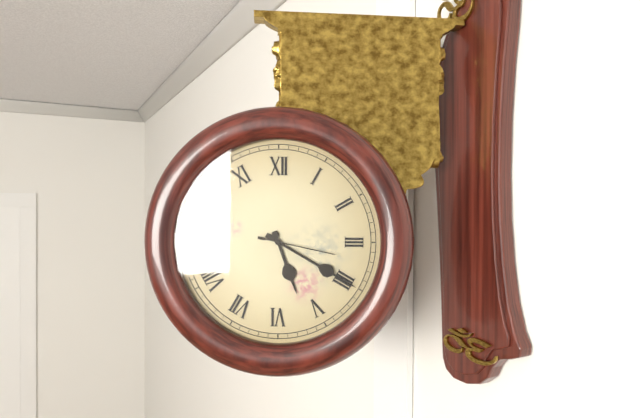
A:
5,20,17
